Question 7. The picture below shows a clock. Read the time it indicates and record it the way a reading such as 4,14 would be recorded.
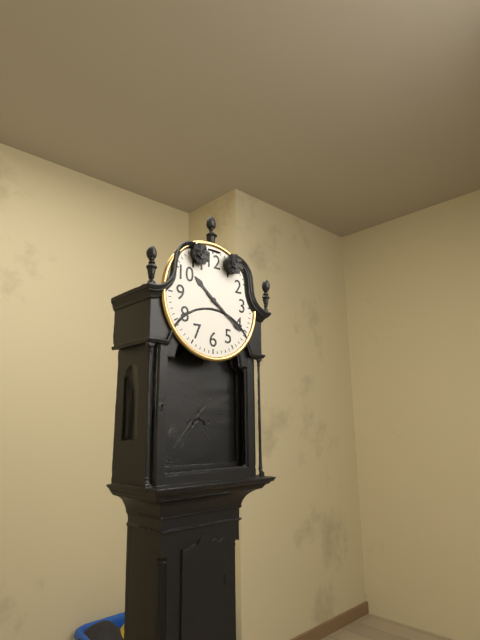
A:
10,21
